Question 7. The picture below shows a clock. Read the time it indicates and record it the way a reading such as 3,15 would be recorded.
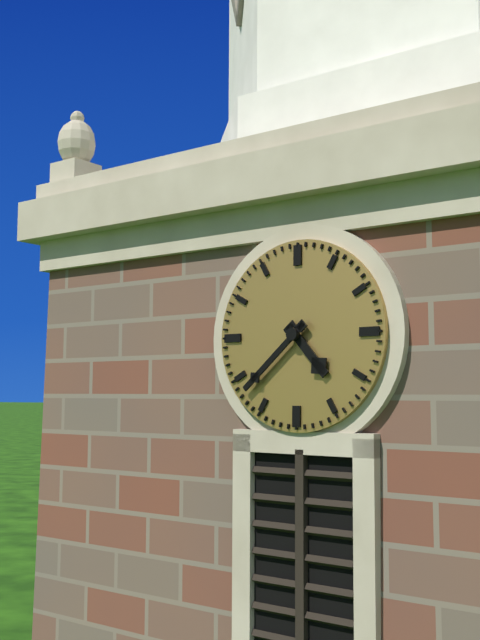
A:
4,38
